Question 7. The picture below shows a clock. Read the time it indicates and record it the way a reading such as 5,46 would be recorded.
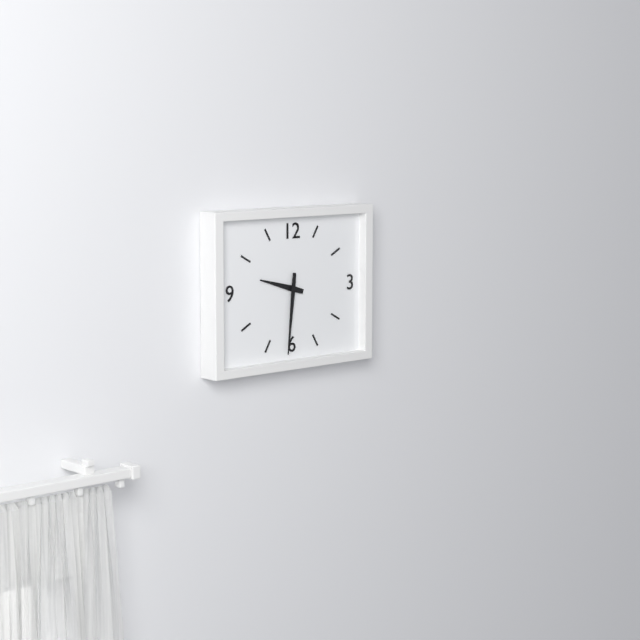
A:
9,31
